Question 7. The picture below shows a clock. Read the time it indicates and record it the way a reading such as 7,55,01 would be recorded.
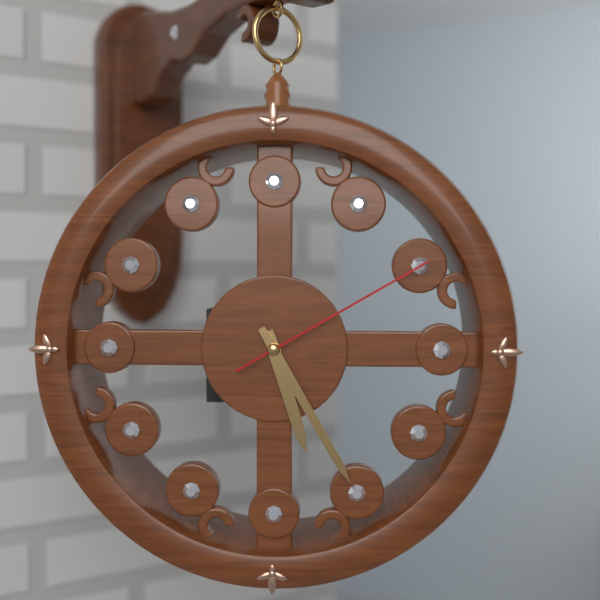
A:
5,25,10
